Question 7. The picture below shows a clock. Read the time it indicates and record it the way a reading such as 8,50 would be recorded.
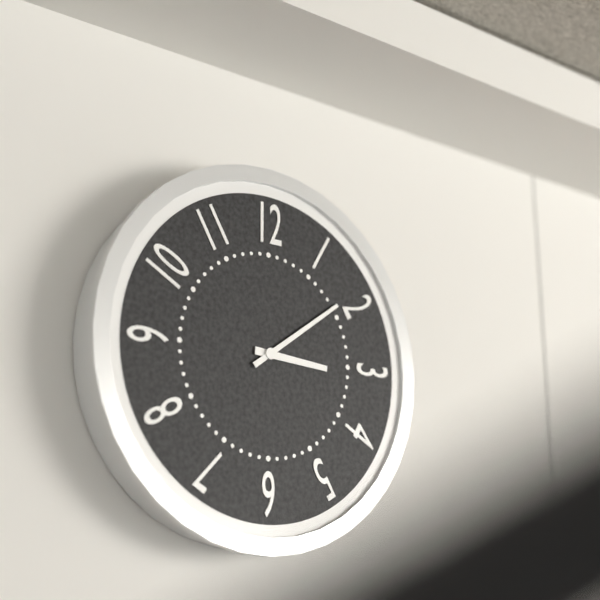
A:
3,09
